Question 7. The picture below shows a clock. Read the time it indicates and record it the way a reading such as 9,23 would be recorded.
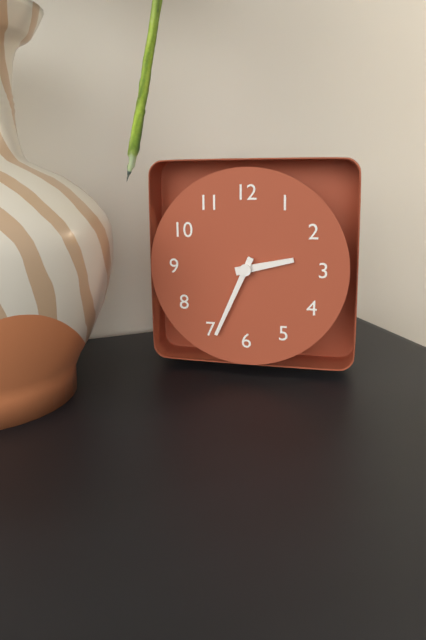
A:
2,34
